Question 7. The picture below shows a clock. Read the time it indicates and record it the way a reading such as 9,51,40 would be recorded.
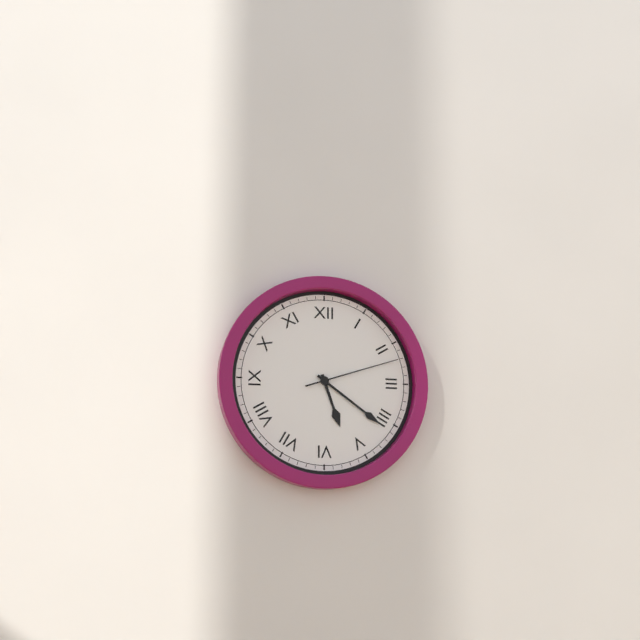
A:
5,21,12
